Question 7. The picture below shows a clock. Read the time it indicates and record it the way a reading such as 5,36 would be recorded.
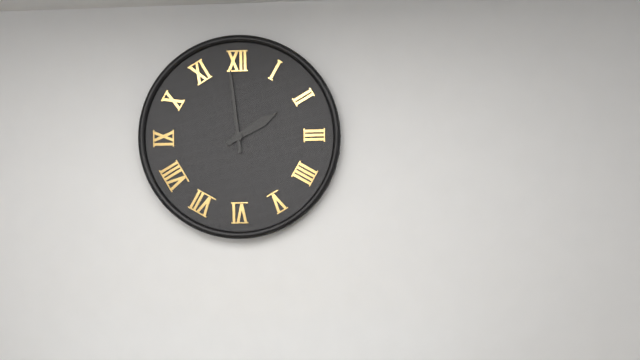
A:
1,59
